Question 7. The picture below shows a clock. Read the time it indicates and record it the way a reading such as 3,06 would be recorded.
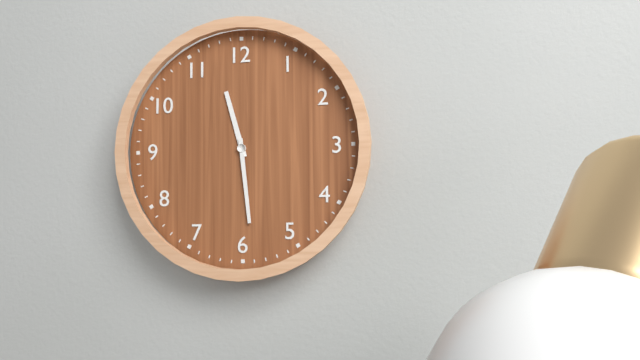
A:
11,29
